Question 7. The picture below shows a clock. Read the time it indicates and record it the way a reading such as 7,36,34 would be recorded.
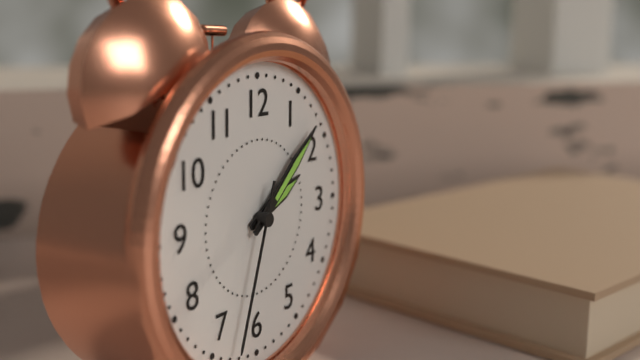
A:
2,08,33
